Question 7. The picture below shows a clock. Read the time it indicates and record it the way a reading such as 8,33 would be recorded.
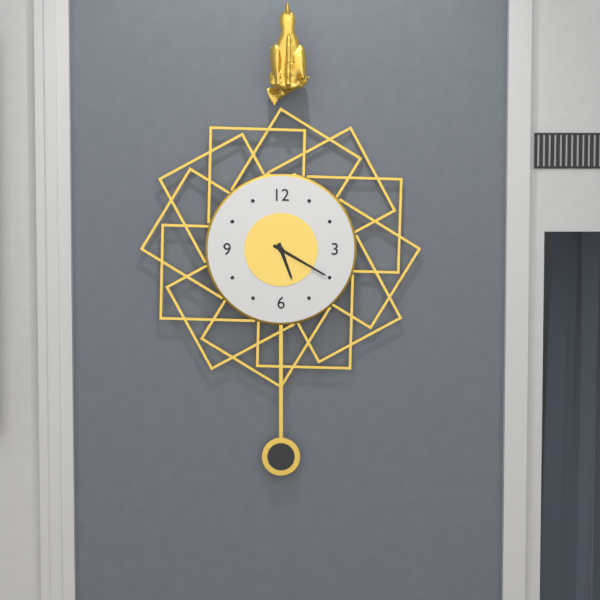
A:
5,20
